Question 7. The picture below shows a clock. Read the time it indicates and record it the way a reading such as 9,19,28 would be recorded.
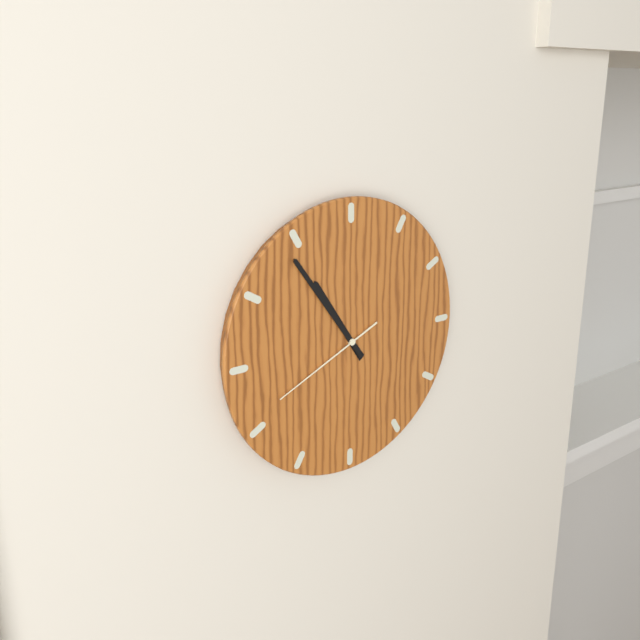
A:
10,54,41
